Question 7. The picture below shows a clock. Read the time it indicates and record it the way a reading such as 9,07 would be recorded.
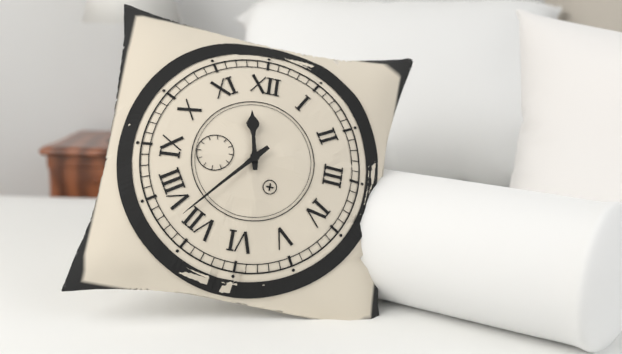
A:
11,37
